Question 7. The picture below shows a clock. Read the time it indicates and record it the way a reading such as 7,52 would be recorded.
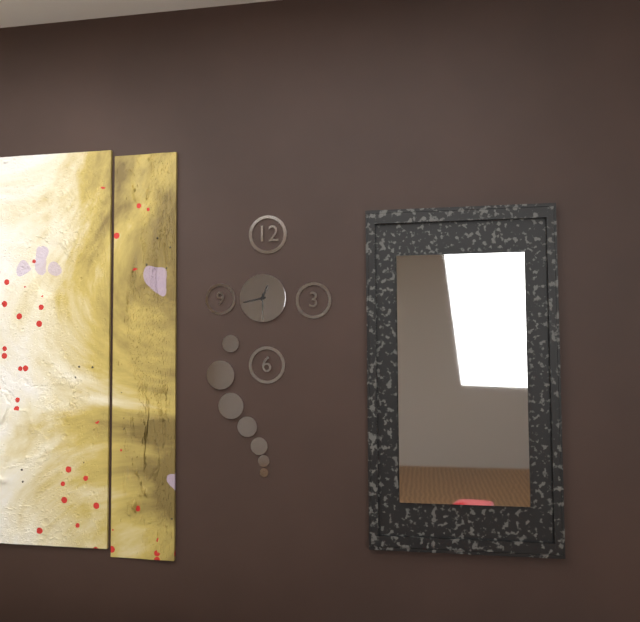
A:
12,43
